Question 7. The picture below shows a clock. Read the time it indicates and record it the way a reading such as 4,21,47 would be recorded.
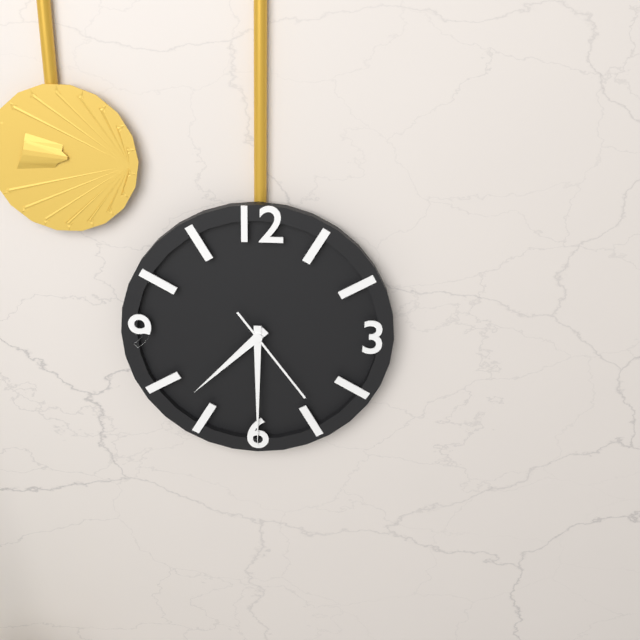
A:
7,30,24
